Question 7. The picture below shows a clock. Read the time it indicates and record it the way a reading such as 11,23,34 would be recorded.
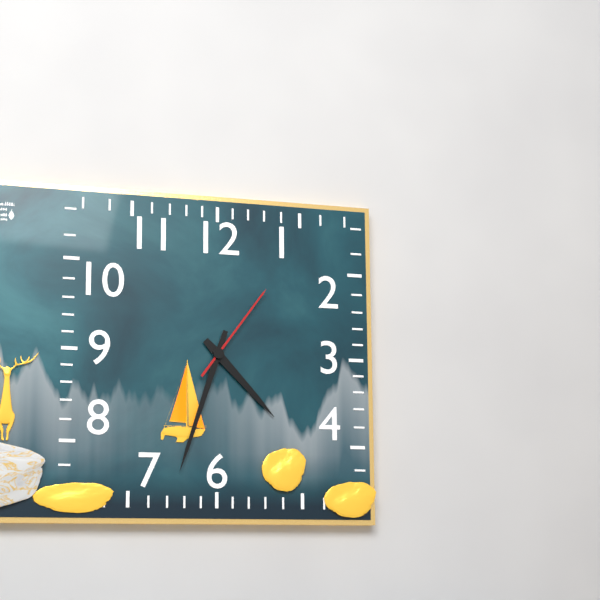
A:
4,33,06
